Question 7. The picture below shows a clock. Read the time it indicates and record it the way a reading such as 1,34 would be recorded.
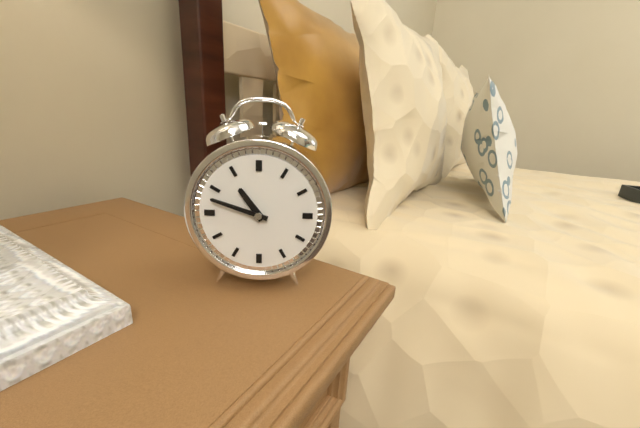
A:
10,48
